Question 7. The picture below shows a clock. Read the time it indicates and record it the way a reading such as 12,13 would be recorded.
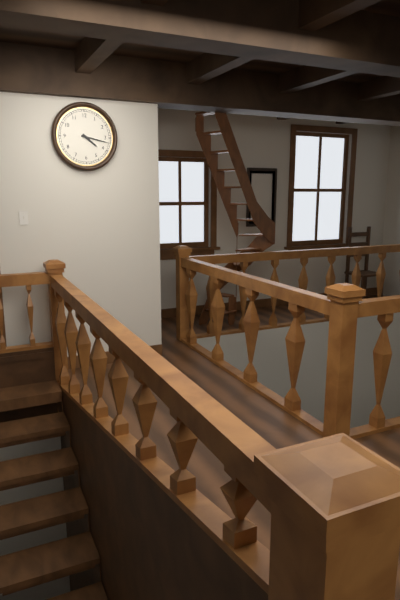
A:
4,17
